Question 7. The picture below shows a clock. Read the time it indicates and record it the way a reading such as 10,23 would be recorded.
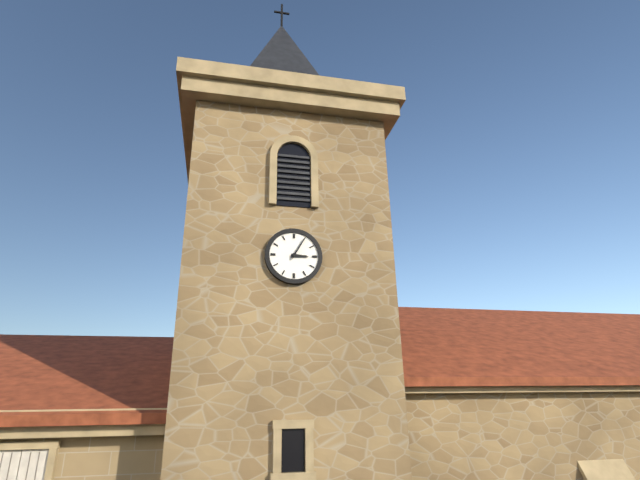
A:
3,05
